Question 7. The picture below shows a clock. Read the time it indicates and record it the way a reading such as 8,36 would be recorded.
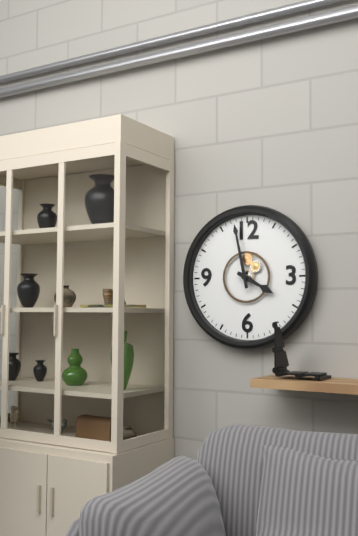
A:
3,58
